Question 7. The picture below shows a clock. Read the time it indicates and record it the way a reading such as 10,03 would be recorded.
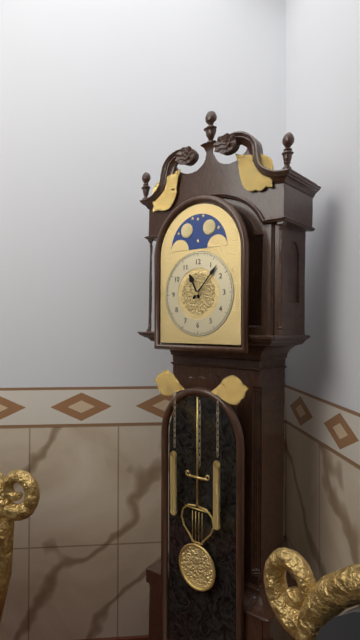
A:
11,07
